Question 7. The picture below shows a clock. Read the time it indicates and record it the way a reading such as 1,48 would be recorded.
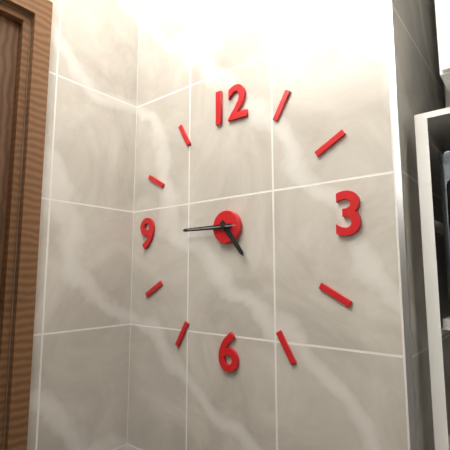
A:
4,45
